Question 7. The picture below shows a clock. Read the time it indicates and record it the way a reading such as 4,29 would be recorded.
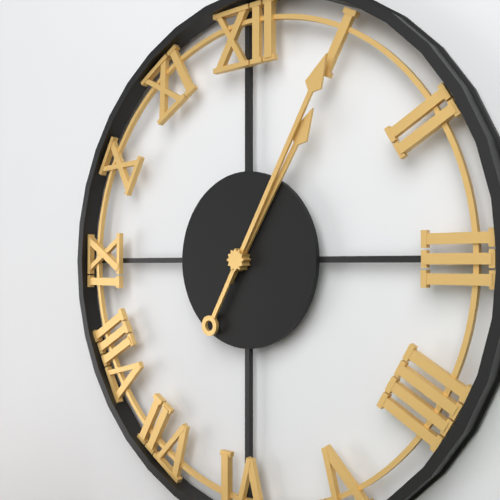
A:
1,05
